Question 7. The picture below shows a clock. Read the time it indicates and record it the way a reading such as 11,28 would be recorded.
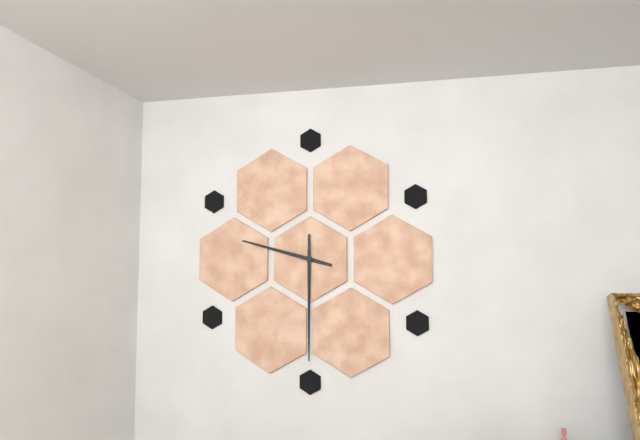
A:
9,30
